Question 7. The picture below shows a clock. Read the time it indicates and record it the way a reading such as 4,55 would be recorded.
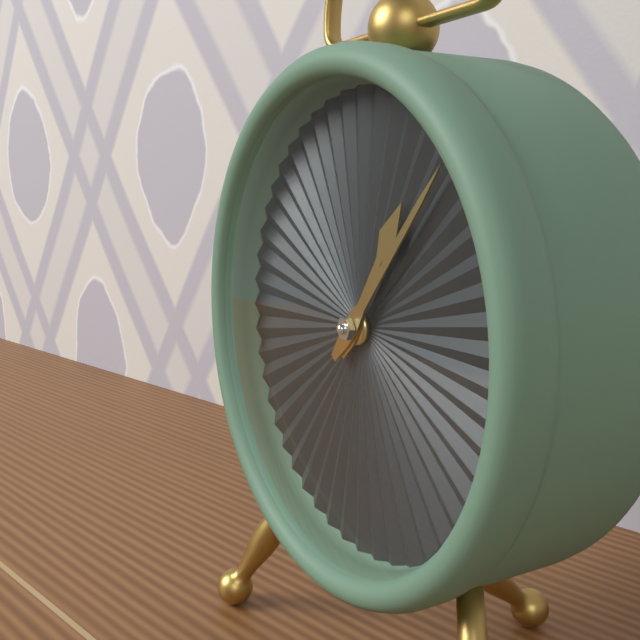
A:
1,07
